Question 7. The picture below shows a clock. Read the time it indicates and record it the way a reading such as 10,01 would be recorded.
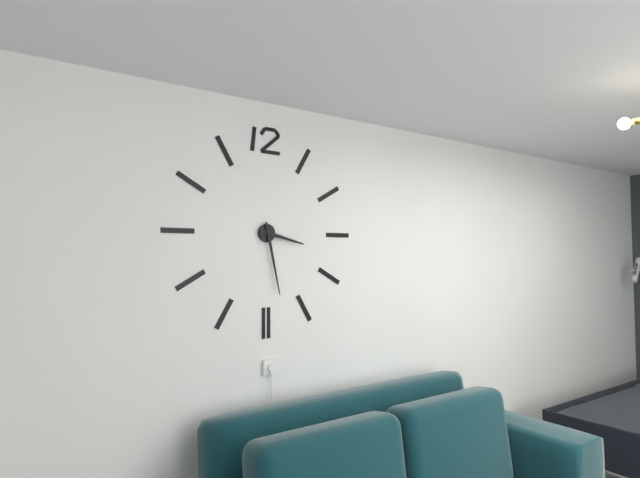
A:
3,28
